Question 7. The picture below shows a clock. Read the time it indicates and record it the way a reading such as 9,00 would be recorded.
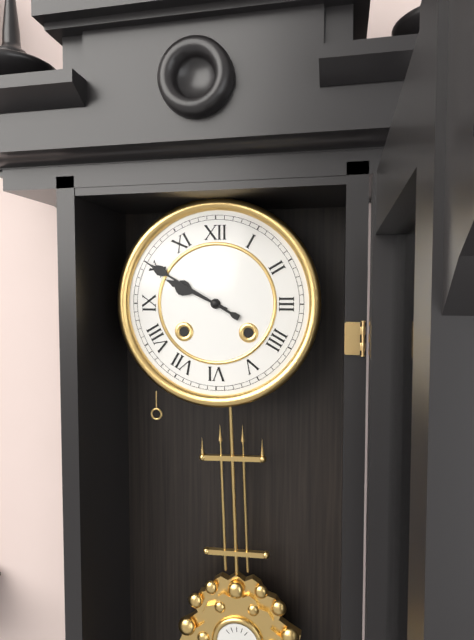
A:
9,50
